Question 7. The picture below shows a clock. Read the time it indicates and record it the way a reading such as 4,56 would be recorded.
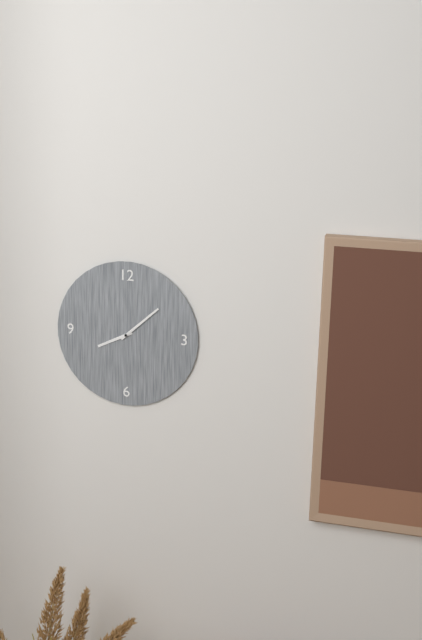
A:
8,08
